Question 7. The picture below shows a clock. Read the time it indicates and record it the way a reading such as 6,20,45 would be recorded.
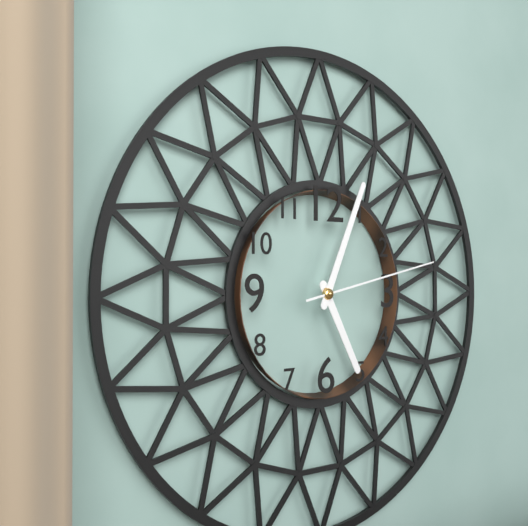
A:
5,04,13
